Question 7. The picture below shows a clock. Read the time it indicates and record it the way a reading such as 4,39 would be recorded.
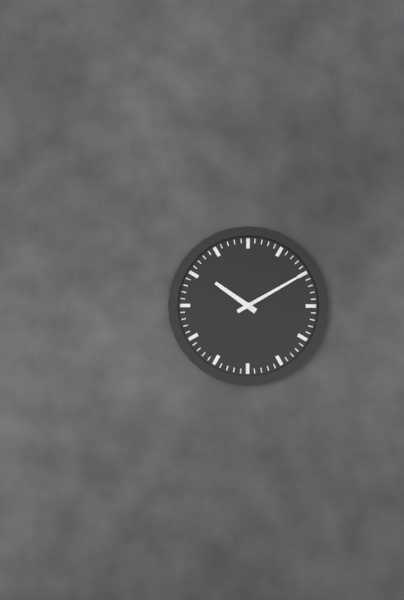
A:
10,10
